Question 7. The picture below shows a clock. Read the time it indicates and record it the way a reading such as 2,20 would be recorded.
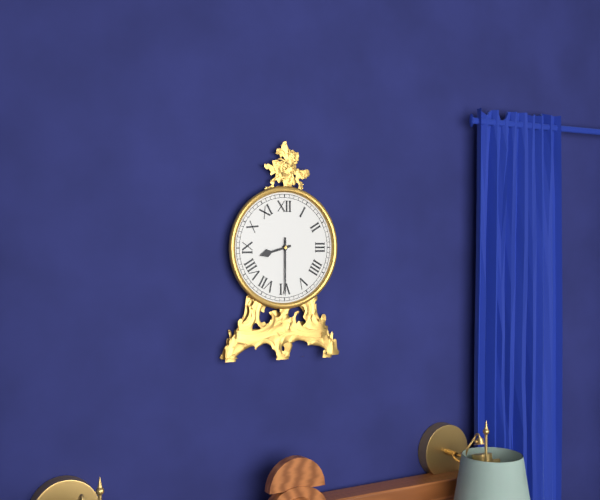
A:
8,30
